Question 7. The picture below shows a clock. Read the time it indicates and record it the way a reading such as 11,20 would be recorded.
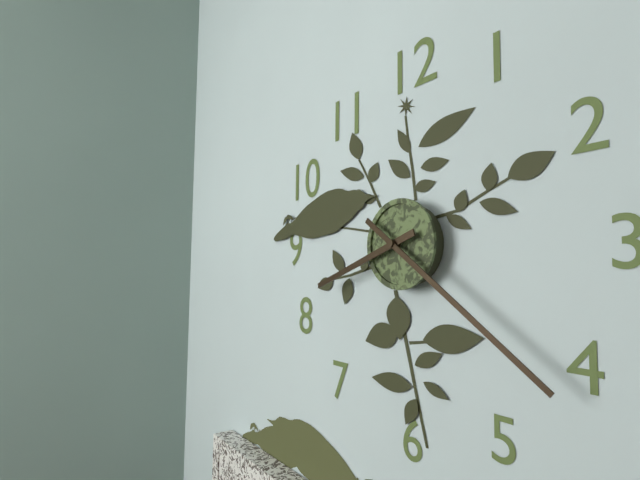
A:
8,21
